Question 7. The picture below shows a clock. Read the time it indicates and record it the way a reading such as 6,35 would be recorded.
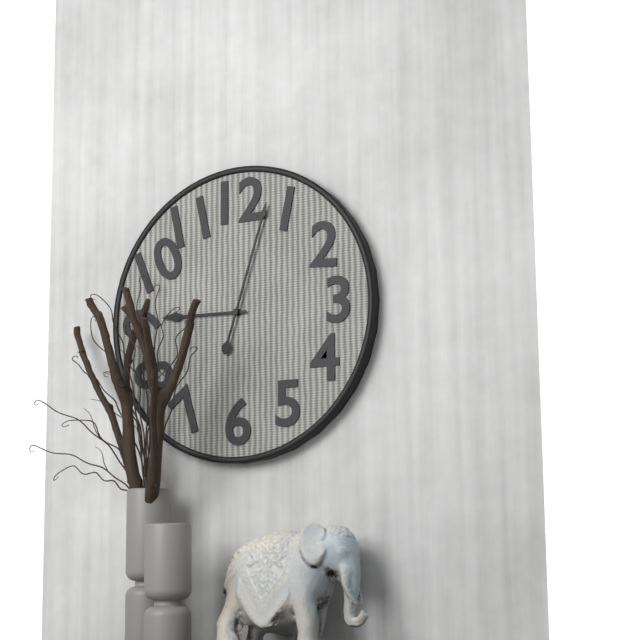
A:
9,03
